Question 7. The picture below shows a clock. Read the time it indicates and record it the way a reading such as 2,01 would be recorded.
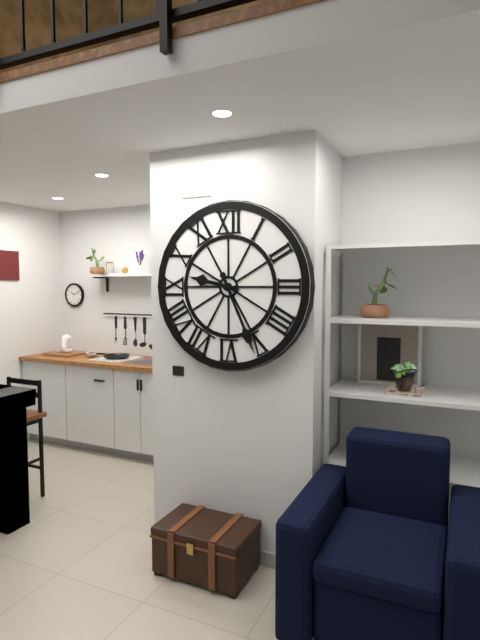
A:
9,26
